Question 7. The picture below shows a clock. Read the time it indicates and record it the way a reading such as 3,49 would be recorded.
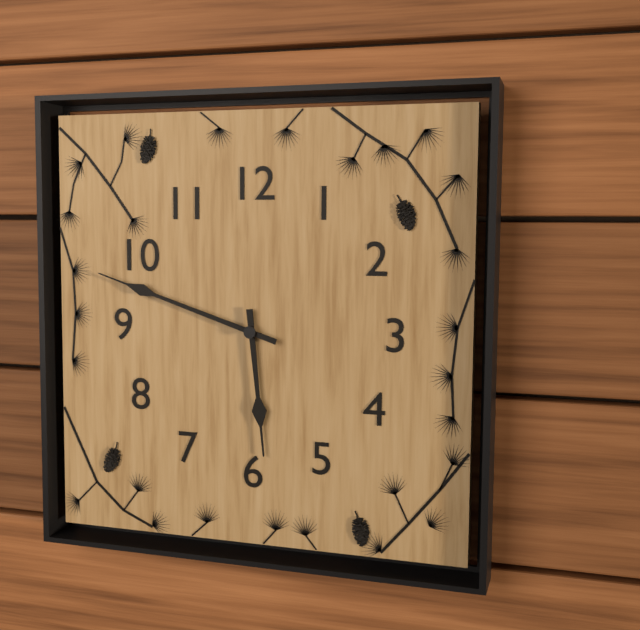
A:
5,48
